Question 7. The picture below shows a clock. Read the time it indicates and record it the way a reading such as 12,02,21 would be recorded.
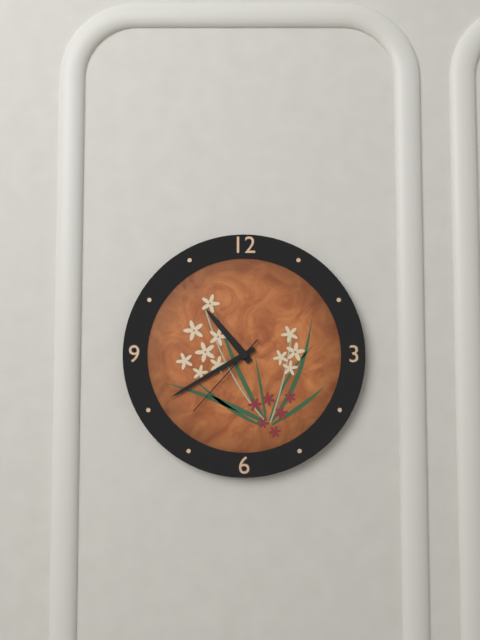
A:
10,40,37
